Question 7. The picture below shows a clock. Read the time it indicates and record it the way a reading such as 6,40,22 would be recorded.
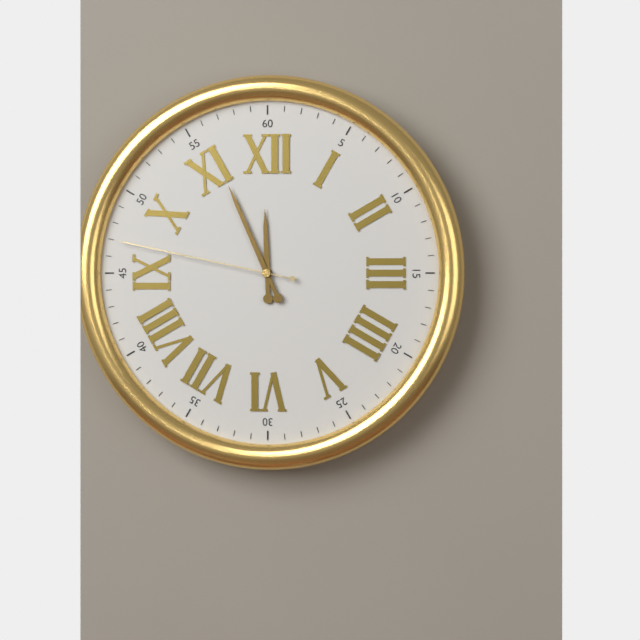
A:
11,56,47
